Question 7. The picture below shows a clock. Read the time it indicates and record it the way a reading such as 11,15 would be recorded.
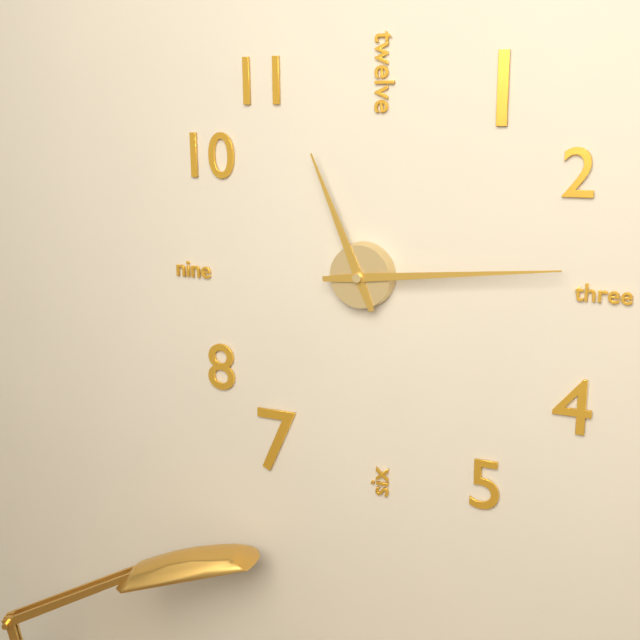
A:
11,14
